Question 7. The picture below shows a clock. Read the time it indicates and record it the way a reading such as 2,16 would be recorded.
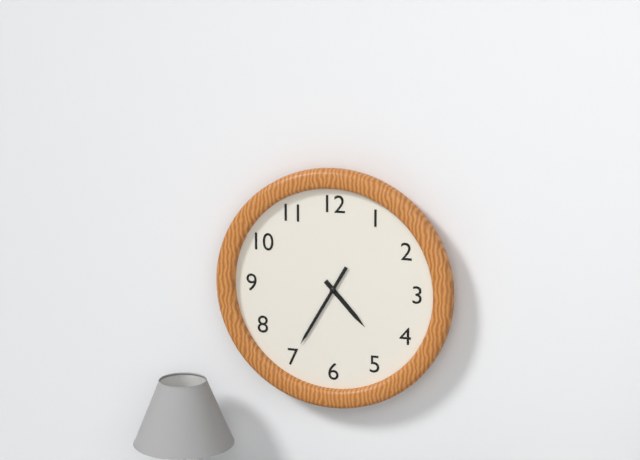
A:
4,35
